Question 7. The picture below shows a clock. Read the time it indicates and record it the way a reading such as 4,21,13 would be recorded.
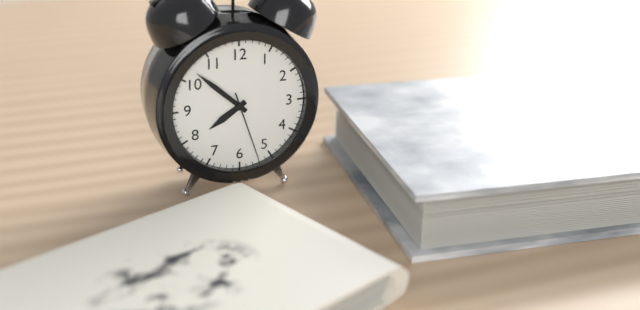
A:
7,52,27
